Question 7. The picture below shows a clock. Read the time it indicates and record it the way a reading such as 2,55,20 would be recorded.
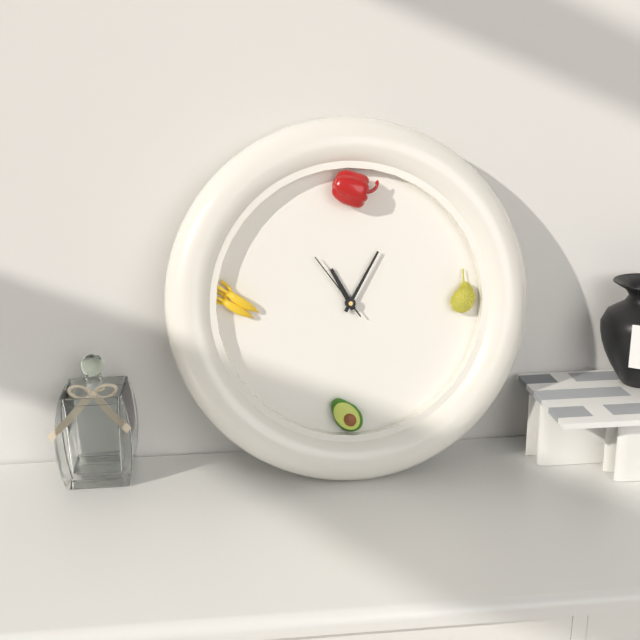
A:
11,05,54
